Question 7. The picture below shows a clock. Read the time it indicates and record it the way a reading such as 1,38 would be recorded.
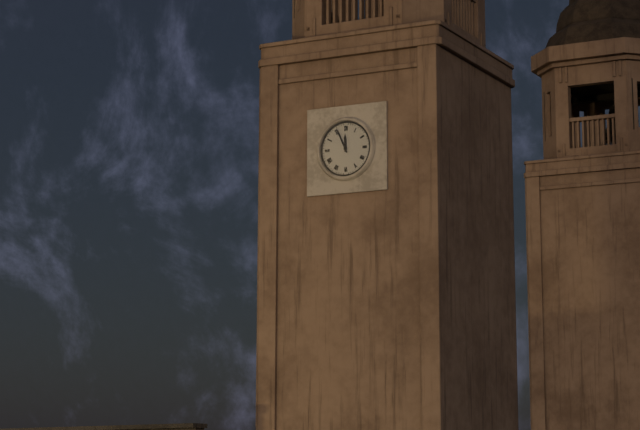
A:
11,56
